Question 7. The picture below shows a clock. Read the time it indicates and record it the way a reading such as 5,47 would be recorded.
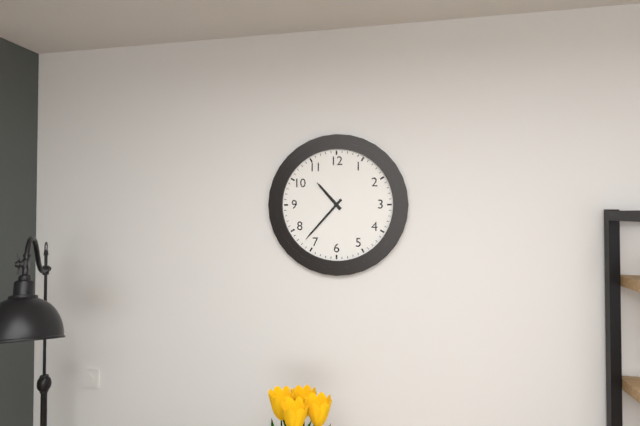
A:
10,37
